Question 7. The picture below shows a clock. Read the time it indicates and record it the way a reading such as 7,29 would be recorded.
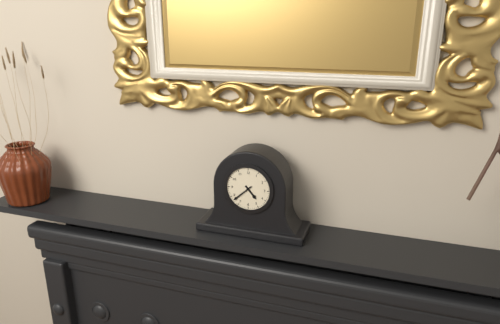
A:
4,38
